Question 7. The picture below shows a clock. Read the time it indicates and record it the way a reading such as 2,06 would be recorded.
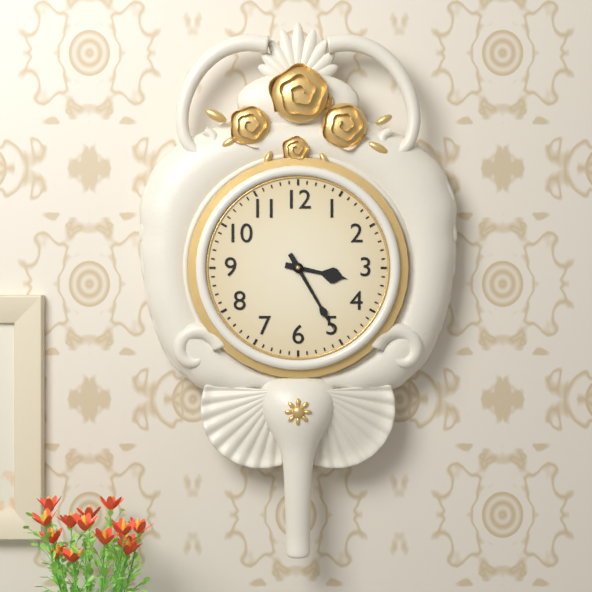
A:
3,25
